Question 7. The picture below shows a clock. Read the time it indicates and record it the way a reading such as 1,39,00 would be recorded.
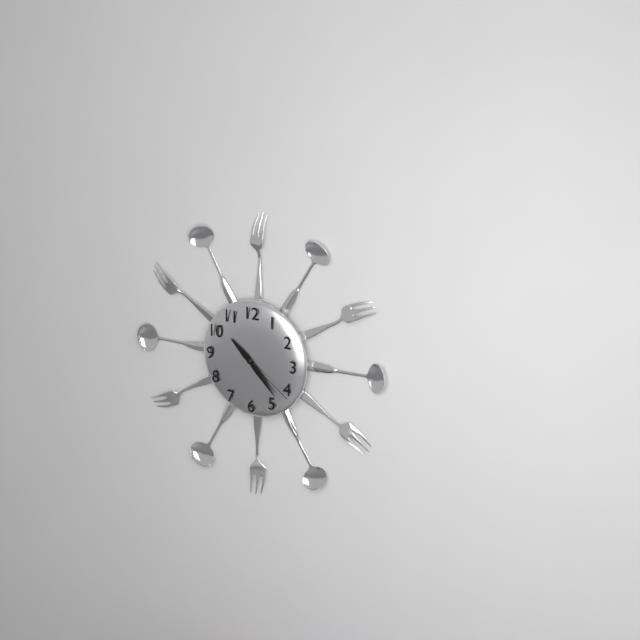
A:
10,23,21
